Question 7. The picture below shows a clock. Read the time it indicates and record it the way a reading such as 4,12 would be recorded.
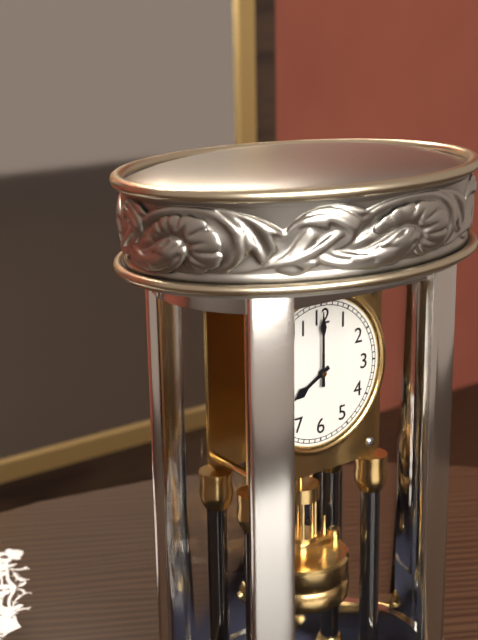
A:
8,00
